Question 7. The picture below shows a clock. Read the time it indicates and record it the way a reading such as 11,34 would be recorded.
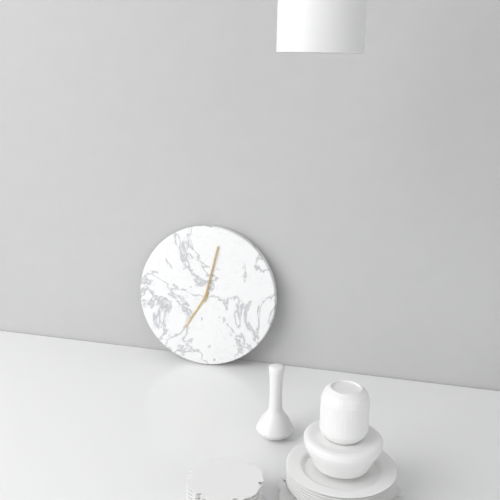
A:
7,02
